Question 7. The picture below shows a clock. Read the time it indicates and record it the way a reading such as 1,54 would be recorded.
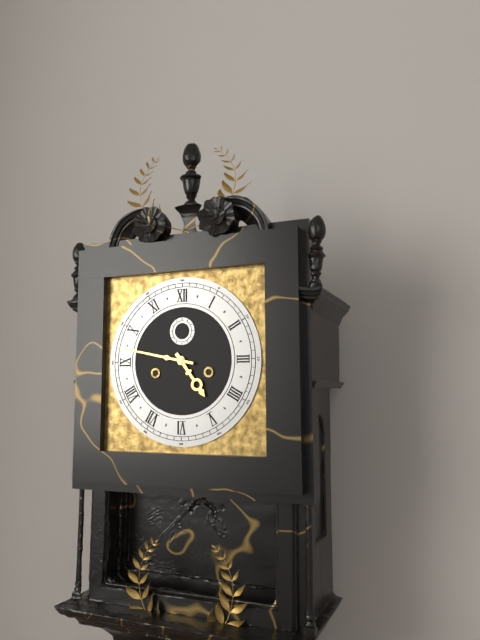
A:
4,47
